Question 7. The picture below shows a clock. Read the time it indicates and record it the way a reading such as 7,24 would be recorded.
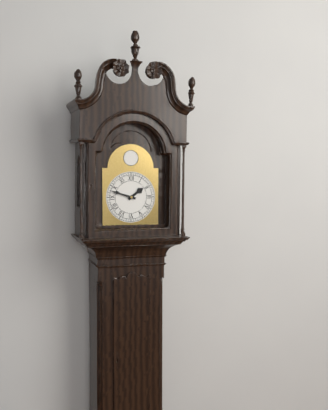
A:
1,48
